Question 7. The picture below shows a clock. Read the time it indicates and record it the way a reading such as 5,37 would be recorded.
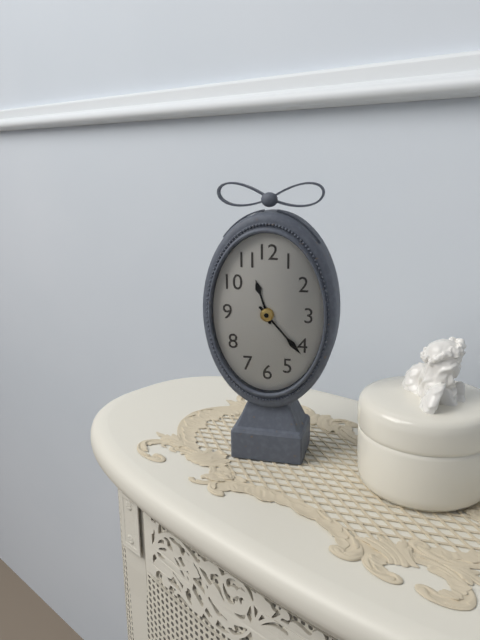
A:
11,23
